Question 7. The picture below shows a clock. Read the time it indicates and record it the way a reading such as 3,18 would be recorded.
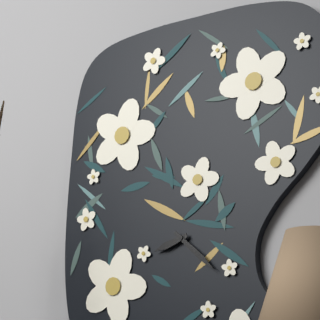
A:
8,22
